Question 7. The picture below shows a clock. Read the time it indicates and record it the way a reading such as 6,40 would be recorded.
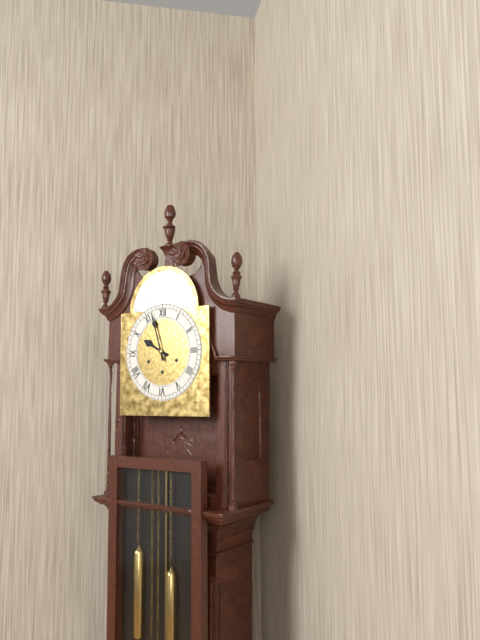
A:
9,57
